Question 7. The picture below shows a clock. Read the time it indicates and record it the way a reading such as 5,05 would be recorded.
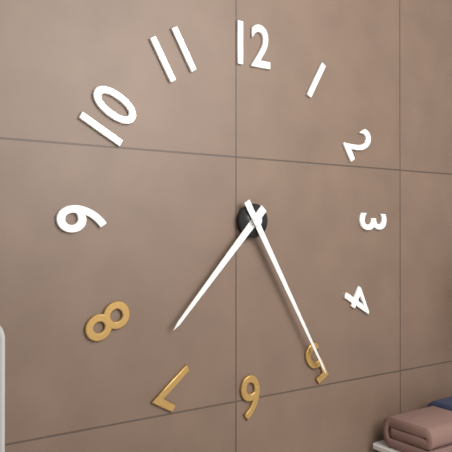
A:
7,25
